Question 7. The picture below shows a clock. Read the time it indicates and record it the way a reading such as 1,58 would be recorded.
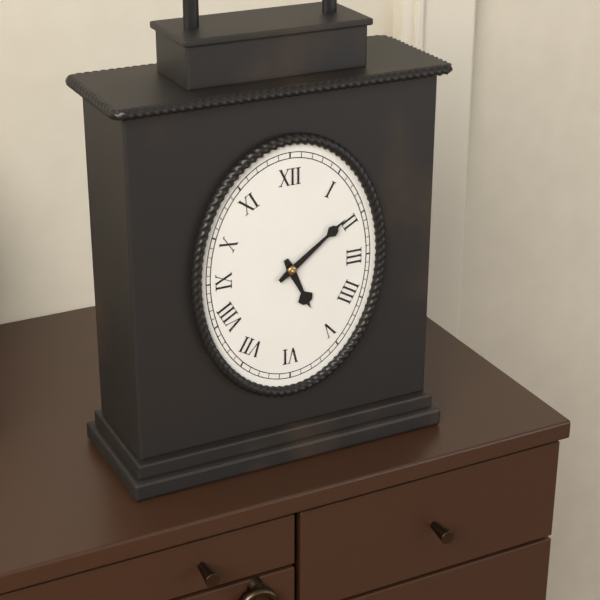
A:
5,09
